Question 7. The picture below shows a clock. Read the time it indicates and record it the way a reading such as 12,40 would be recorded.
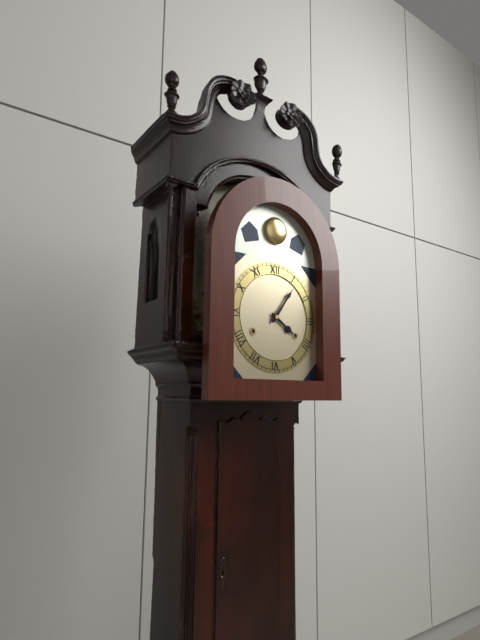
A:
4,06
